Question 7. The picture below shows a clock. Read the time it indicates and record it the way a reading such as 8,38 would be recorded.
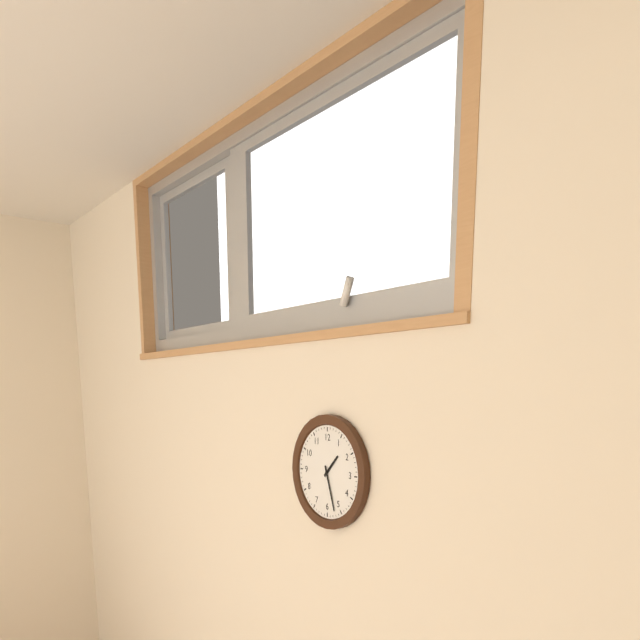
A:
1,27
